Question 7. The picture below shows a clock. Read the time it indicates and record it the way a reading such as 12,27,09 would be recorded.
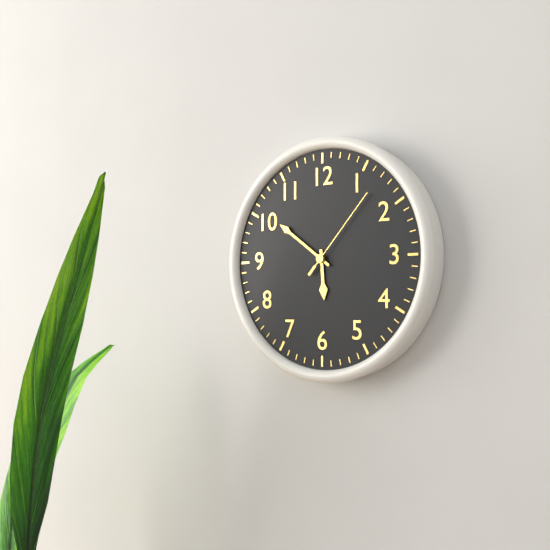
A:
5,51,07
